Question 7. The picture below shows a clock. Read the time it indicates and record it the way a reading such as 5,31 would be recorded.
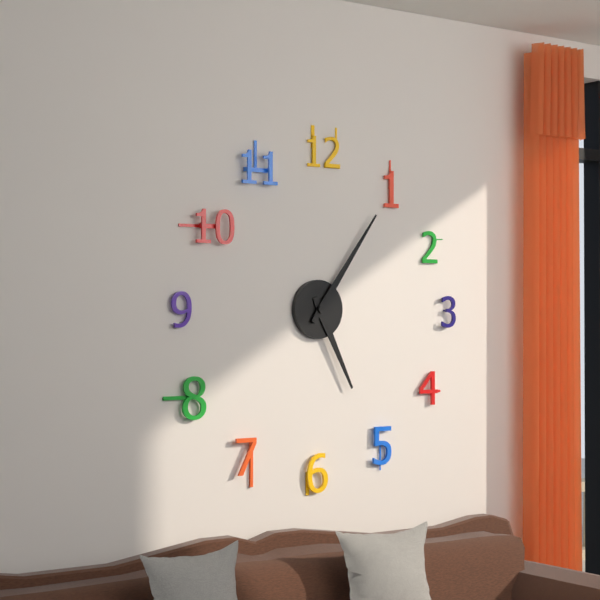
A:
5,06
